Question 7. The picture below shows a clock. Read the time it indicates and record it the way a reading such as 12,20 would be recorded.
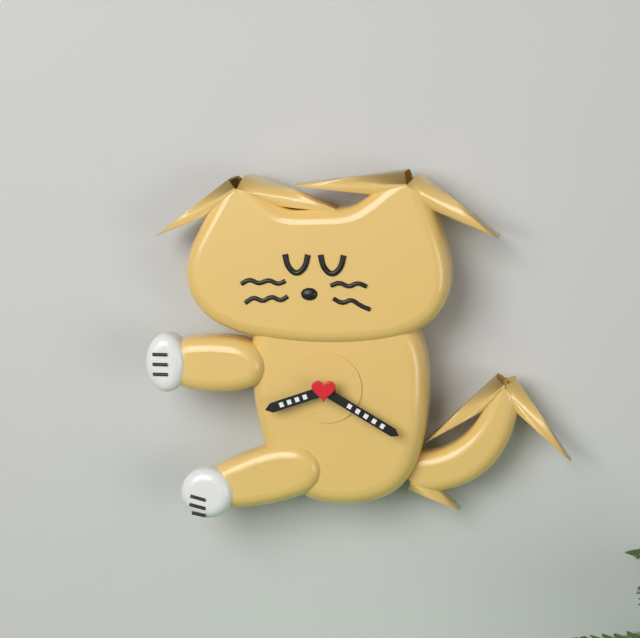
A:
8,20
